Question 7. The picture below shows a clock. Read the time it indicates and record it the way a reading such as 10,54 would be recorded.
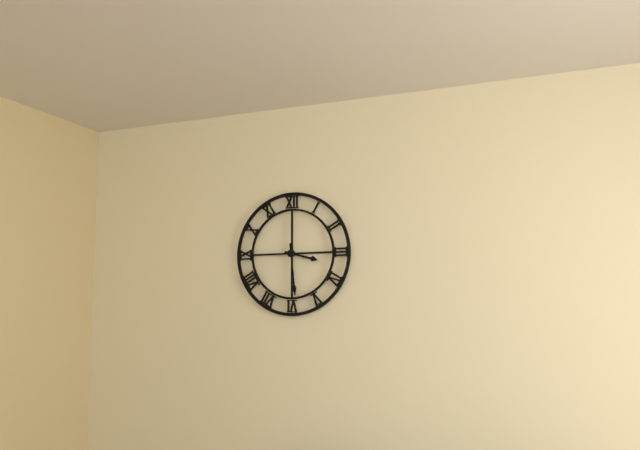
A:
3,29
